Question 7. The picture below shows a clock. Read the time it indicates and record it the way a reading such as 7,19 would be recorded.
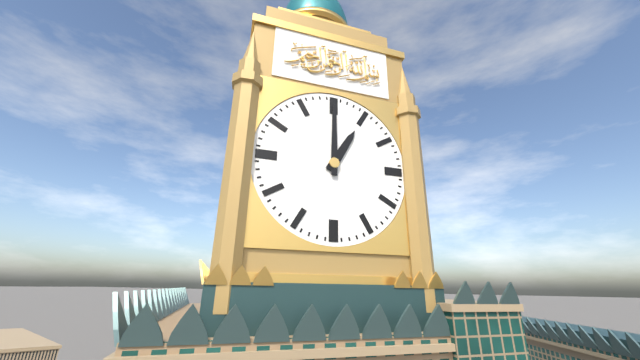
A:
1,00
